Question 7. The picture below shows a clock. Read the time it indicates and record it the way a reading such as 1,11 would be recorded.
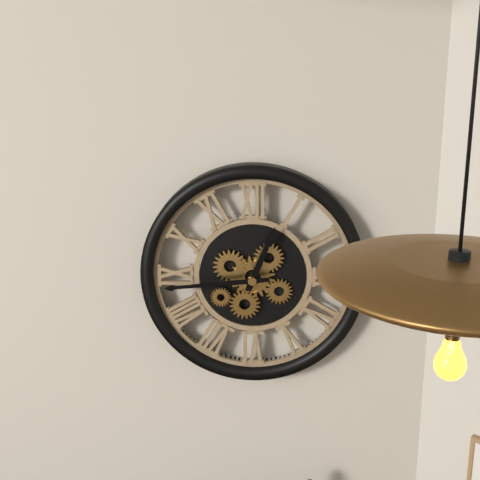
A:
12,44
